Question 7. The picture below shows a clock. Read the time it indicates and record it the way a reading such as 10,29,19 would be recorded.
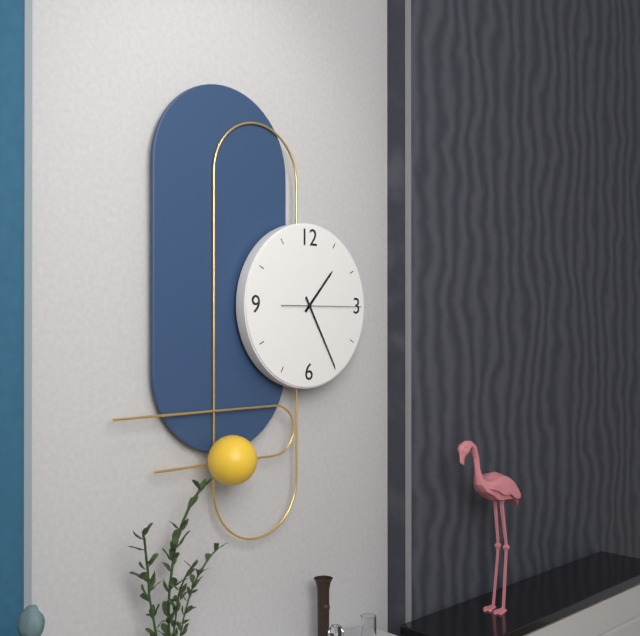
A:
1,25,15
